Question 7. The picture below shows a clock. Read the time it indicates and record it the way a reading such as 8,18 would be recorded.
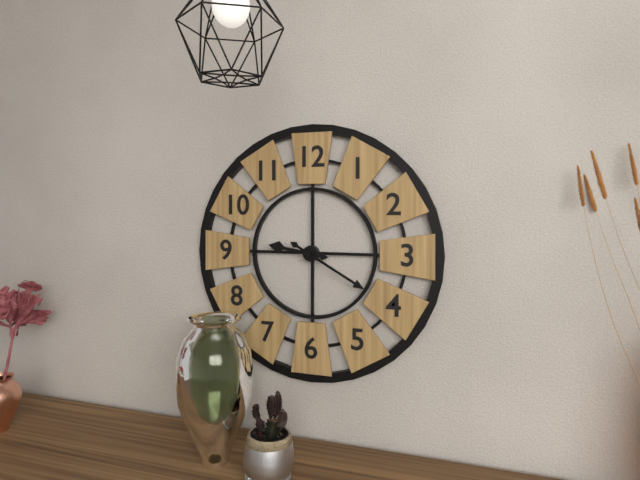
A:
9,20
